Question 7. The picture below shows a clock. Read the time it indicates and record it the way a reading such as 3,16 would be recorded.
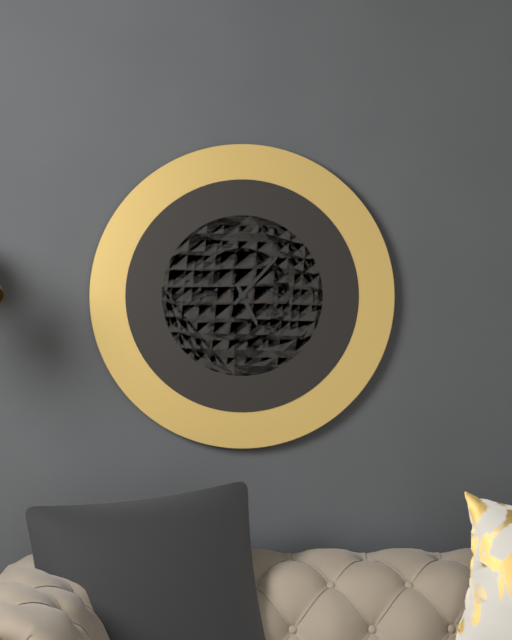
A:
5,07
